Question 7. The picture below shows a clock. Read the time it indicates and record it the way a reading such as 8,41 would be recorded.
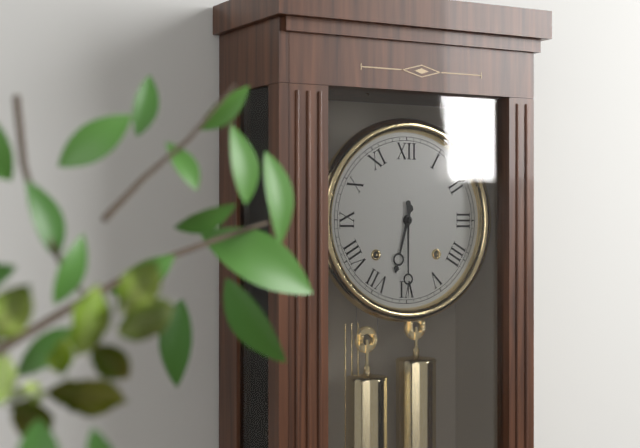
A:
6,30
